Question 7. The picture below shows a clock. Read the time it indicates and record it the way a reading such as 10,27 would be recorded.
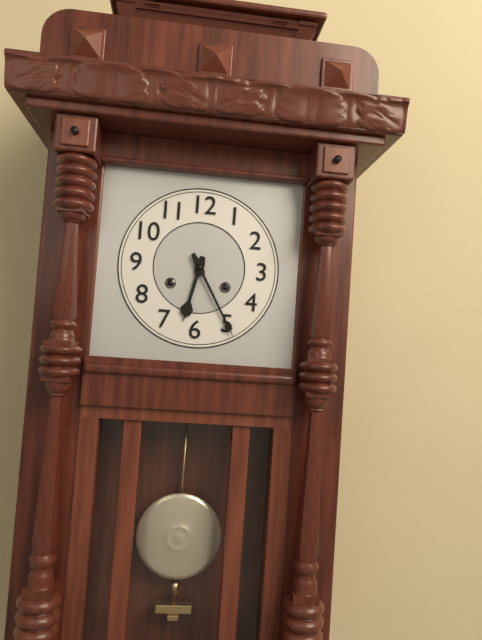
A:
6,25
